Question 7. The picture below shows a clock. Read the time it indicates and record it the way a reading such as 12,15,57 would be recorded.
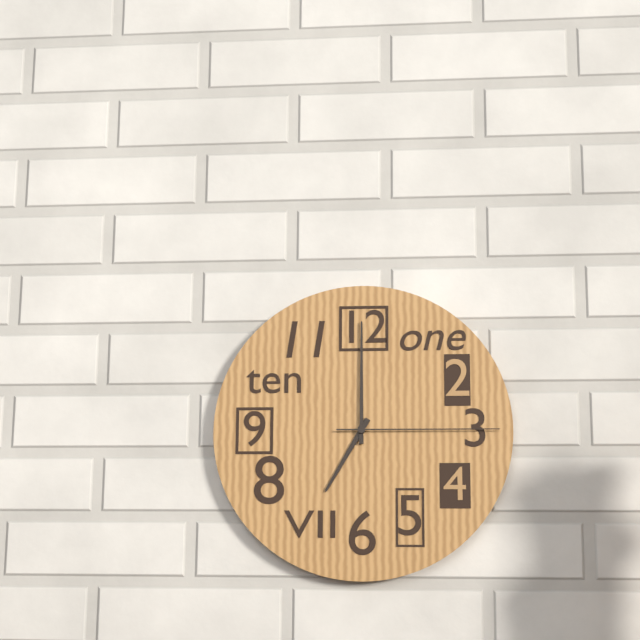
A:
7,00,15
